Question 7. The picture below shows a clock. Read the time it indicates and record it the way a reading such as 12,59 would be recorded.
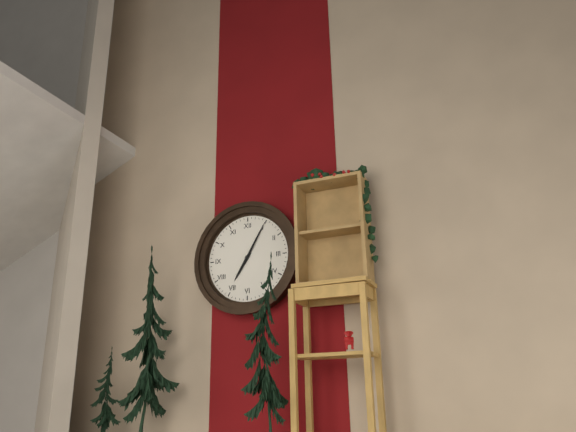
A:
7,05
